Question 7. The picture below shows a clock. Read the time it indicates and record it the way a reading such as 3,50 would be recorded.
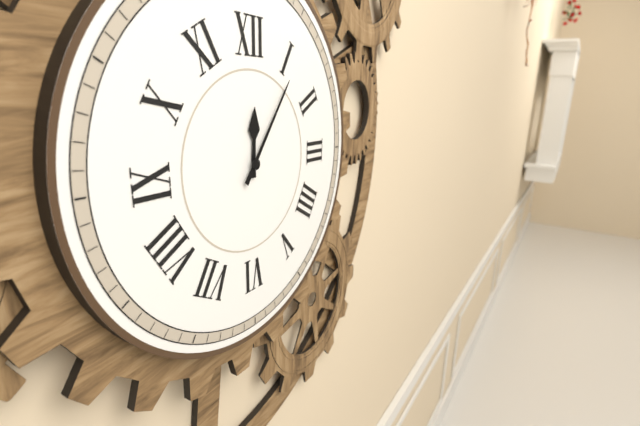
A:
12,06
